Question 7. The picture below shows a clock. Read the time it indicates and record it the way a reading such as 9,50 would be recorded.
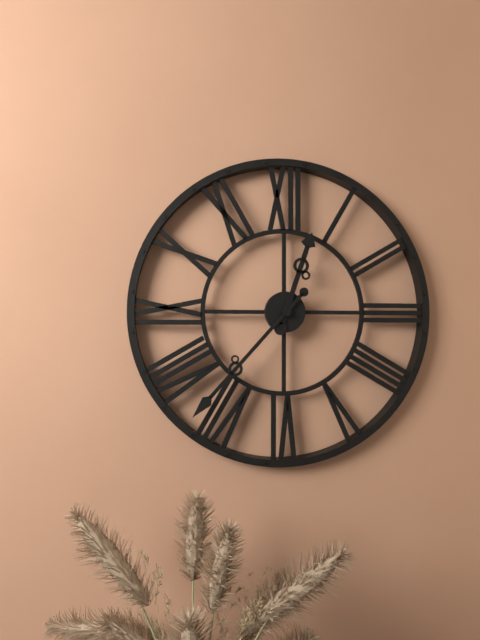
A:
12,37
